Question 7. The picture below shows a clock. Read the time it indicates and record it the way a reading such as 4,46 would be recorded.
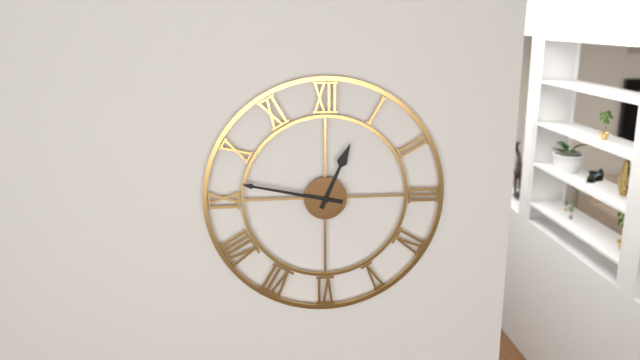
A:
12,47
